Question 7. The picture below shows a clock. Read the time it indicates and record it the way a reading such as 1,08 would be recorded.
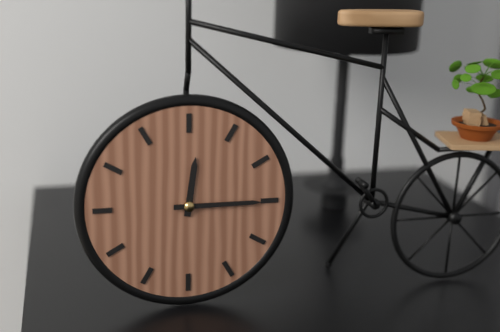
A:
12,15
